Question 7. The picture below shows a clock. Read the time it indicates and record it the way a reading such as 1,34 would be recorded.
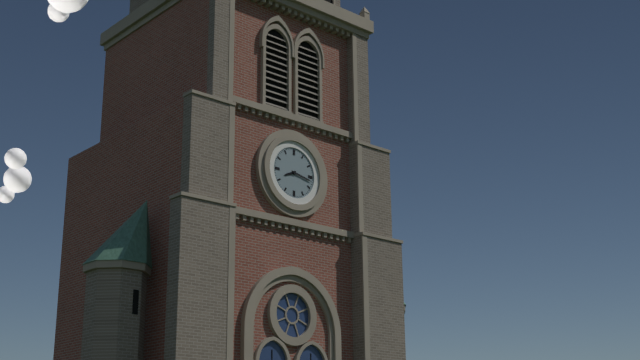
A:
8,17
